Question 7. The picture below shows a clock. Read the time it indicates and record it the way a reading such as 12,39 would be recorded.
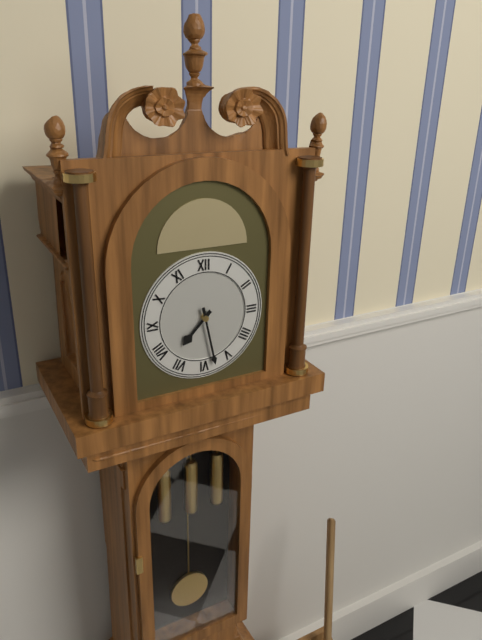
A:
7,28
